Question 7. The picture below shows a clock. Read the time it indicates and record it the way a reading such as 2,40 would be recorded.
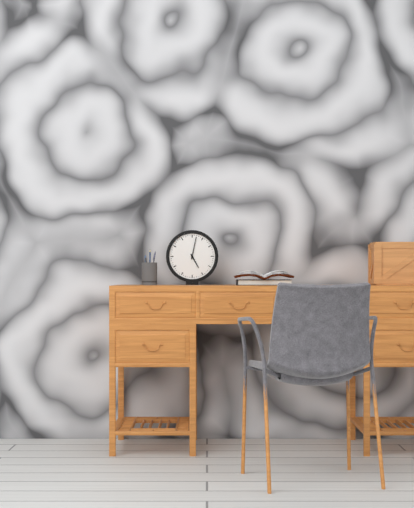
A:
5,02
